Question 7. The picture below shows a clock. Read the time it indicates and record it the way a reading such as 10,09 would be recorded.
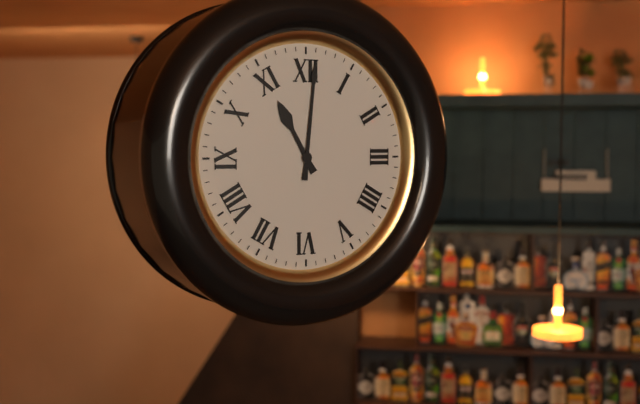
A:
11,01
